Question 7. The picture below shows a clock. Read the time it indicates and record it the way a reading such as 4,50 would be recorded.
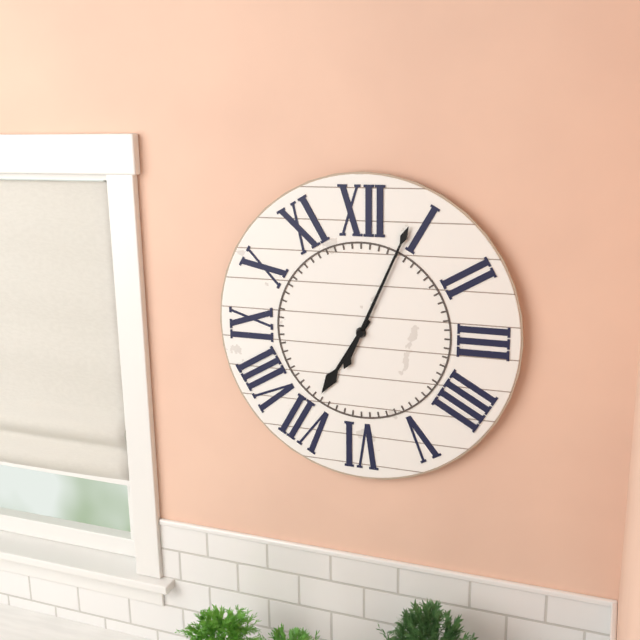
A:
7,04
